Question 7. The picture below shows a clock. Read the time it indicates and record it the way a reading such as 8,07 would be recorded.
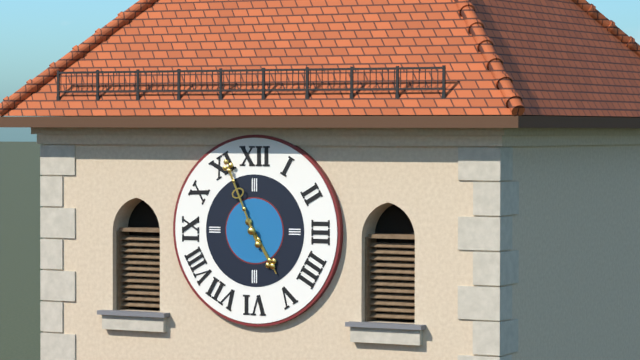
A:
4,56
